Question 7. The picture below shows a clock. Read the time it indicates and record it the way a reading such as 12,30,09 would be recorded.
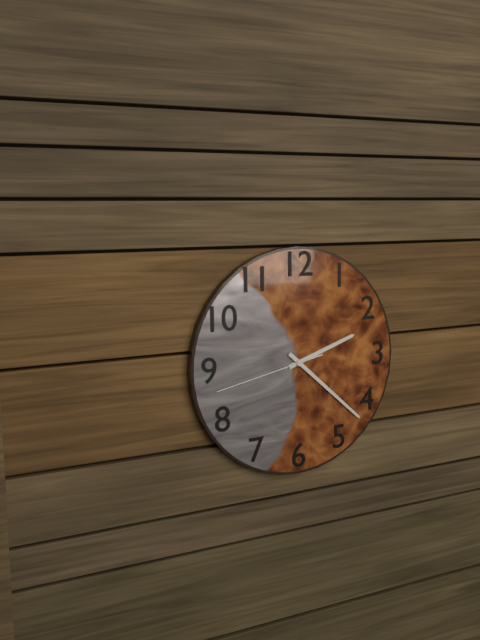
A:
2,22,43
